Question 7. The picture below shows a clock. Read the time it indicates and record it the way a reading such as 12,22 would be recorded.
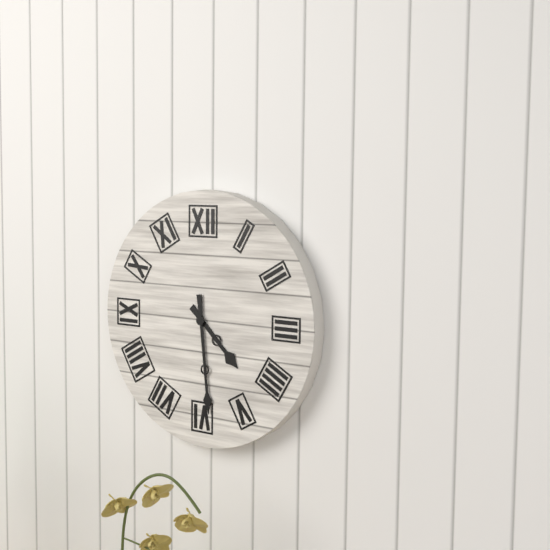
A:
4,29
